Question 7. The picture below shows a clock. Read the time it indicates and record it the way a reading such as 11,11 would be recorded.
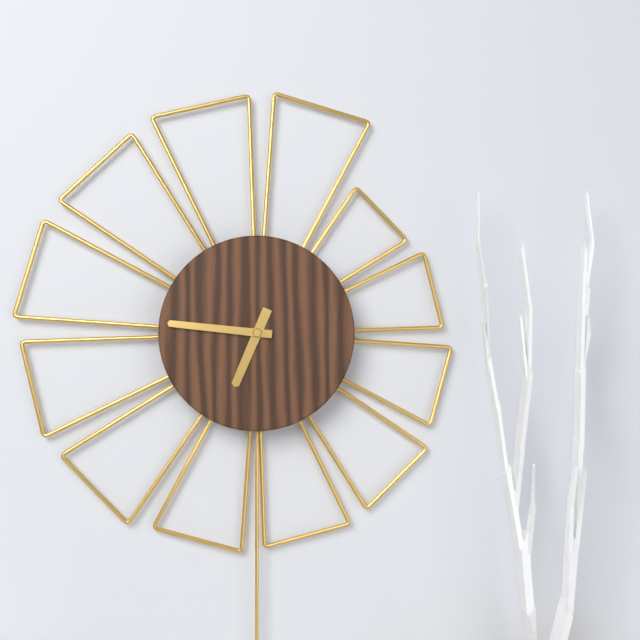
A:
6,46
